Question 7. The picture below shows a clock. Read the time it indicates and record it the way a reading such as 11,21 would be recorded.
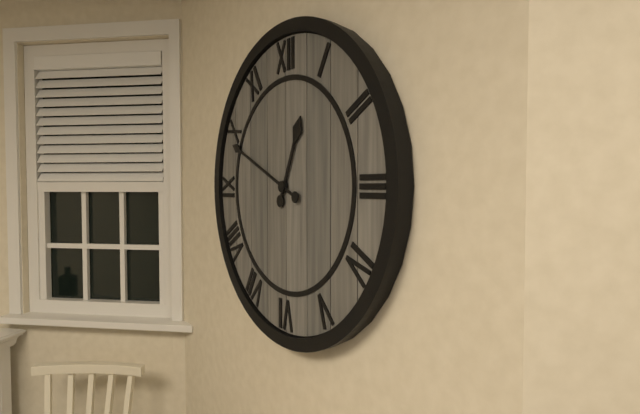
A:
12,49
